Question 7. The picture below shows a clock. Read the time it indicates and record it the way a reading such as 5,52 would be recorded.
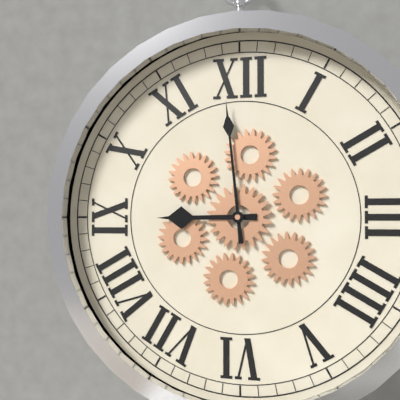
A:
8,59
